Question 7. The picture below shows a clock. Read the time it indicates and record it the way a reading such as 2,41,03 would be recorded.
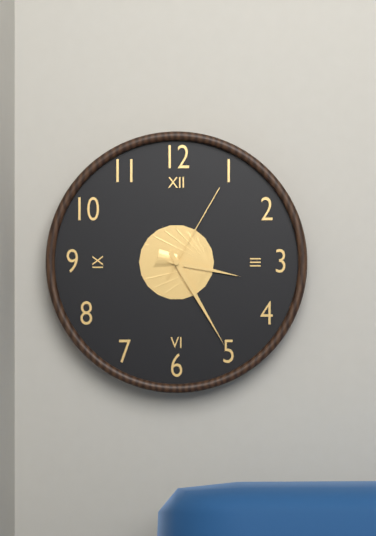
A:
3,25,05
